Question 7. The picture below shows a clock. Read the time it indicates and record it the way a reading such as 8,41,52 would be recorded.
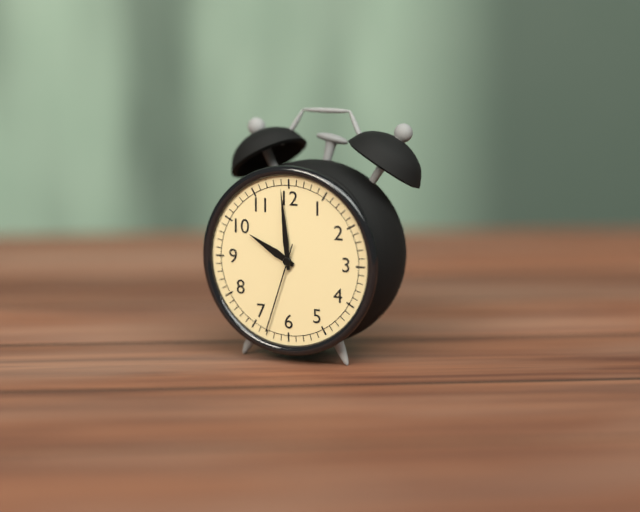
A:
9,59,33
